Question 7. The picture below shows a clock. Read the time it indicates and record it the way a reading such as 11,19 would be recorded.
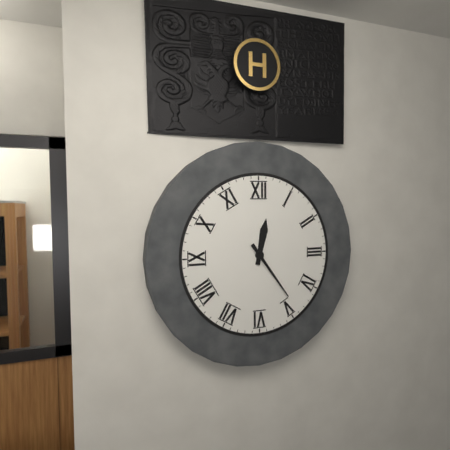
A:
12,24
